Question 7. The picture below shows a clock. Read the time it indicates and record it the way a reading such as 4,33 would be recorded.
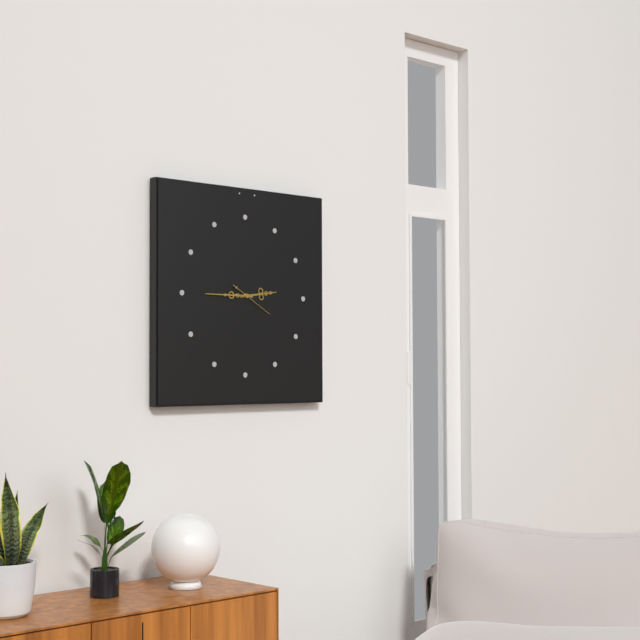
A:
2,45
